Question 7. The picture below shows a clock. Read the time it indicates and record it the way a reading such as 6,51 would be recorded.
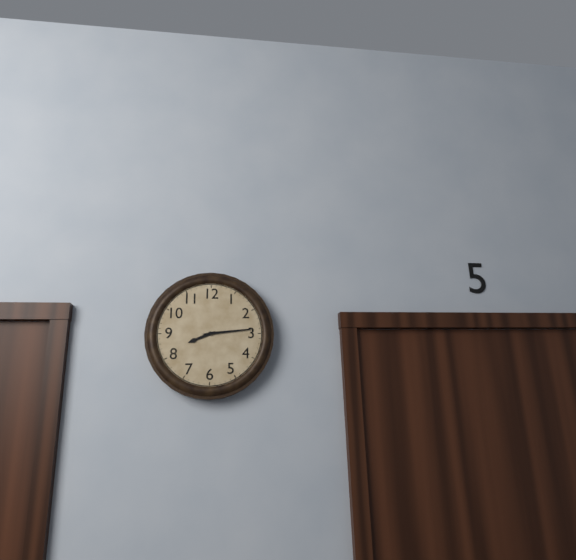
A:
8,14
